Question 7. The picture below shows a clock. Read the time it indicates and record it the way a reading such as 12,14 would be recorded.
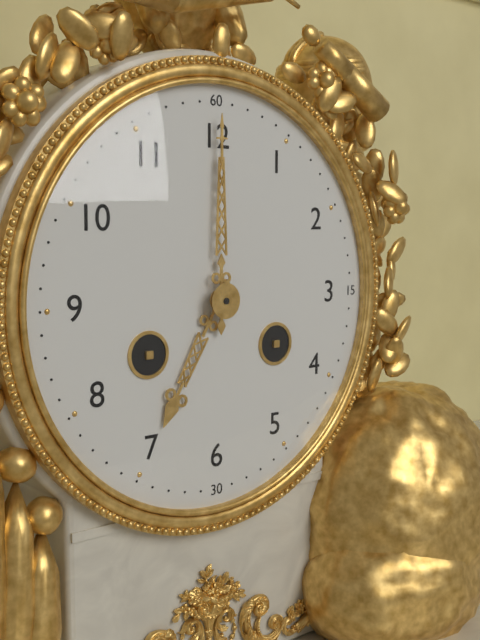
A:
7,00
